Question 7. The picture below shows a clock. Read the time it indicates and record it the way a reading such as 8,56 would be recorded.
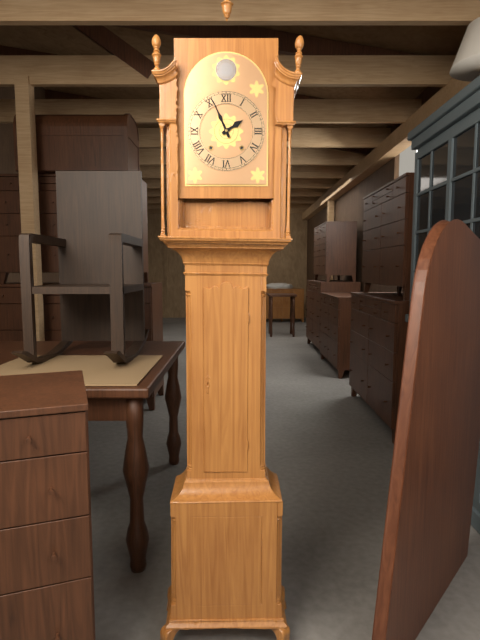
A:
1,56
